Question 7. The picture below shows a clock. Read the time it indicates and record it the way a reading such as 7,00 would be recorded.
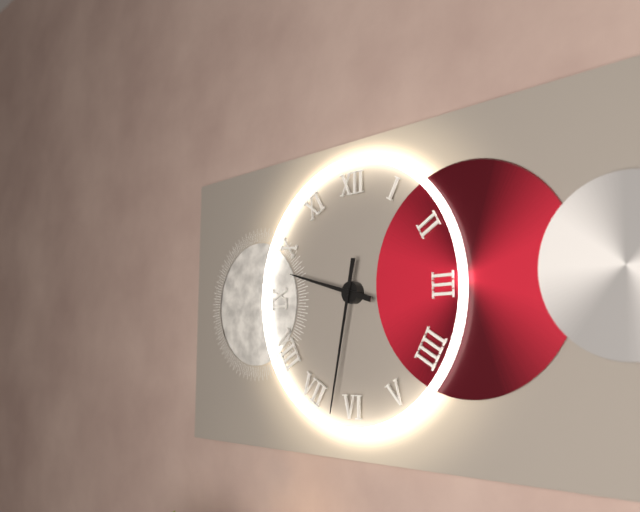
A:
9,32
